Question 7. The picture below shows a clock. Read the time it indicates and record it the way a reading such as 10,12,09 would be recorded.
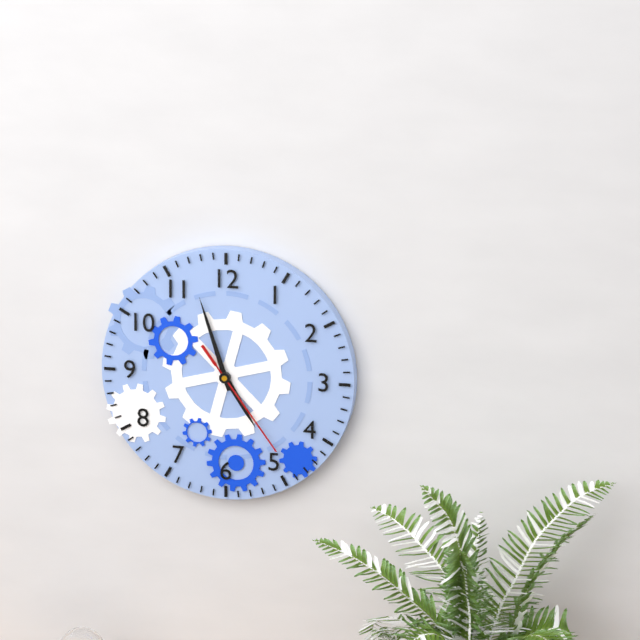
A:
4,57,24
